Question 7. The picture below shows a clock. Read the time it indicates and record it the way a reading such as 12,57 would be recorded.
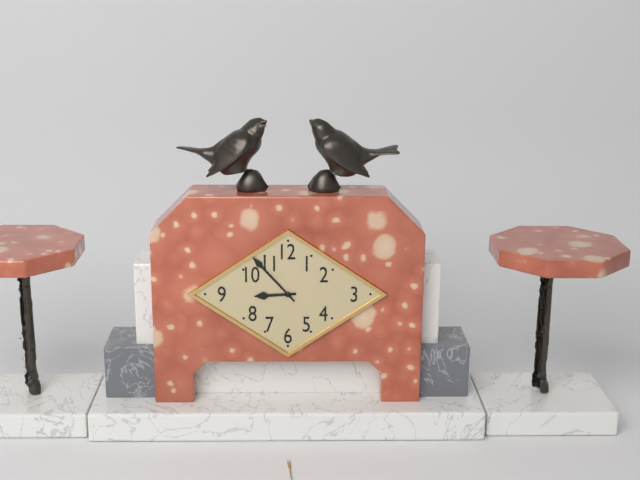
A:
8,53
